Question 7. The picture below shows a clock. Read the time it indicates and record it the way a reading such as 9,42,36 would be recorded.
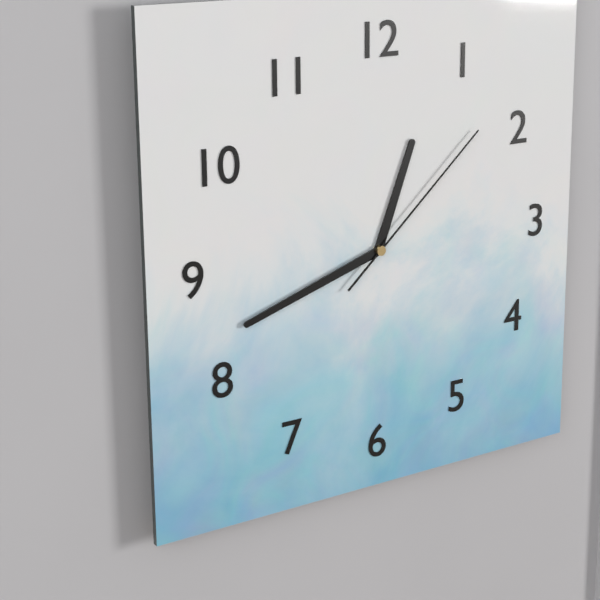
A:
12,42,08
